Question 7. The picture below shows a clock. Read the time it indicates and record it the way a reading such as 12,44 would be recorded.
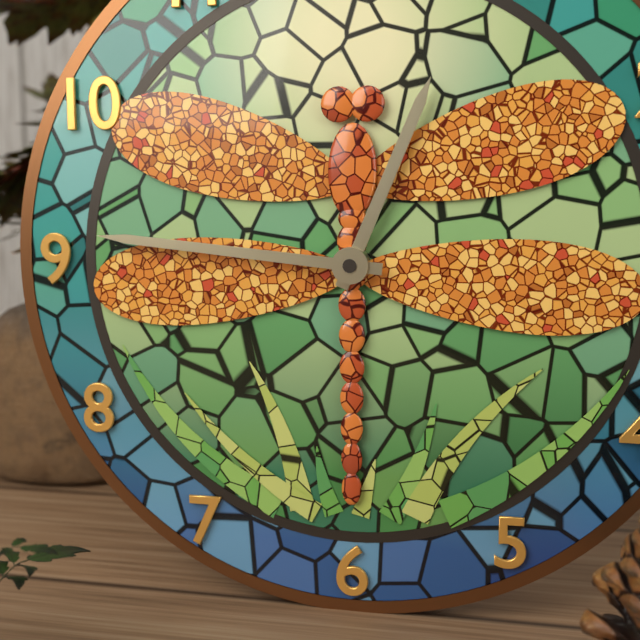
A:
12,46
